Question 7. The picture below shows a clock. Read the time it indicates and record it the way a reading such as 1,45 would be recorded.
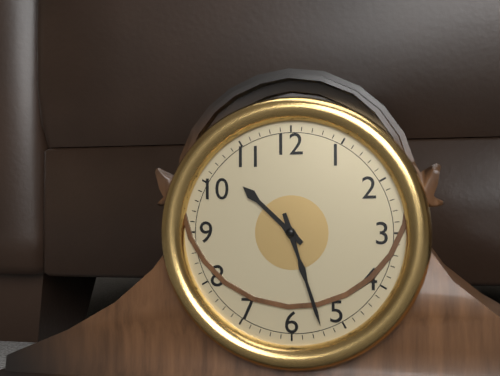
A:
10,27
